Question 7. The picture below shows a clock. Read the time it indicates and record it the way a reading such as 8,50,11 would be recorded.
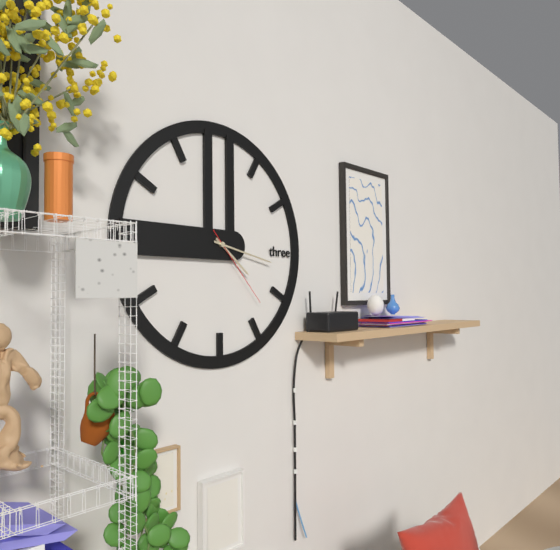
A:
4,17,23
